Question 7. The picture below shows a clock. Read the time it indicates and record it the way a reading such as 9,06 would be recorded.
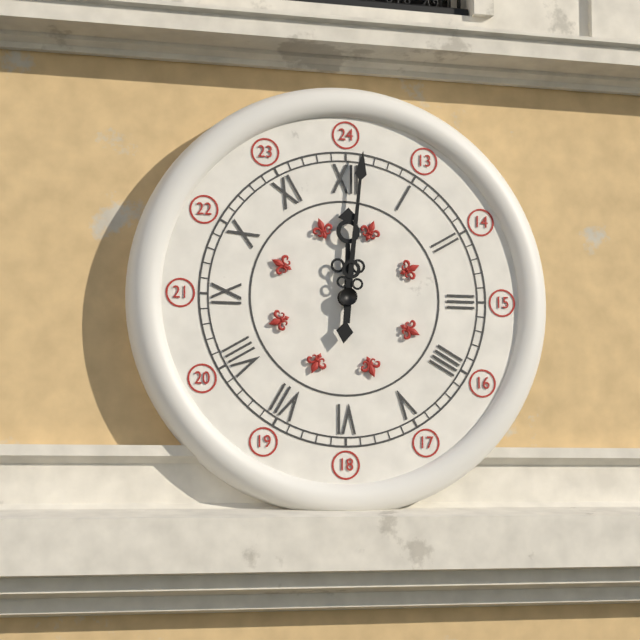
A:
12,01
